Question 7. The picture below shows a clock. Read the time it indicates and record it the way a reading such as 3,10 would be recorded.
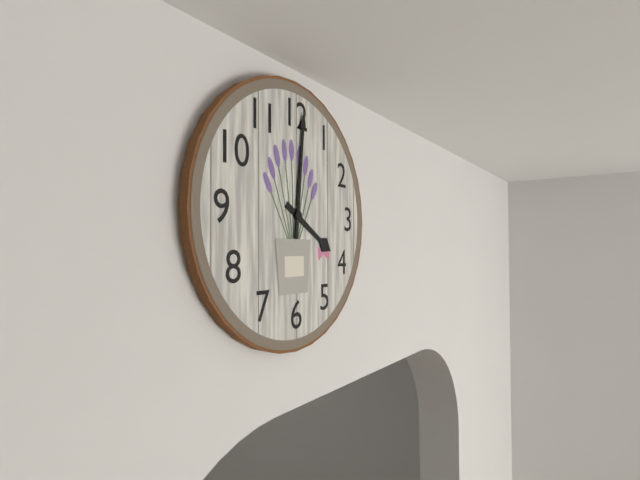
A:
4,01
